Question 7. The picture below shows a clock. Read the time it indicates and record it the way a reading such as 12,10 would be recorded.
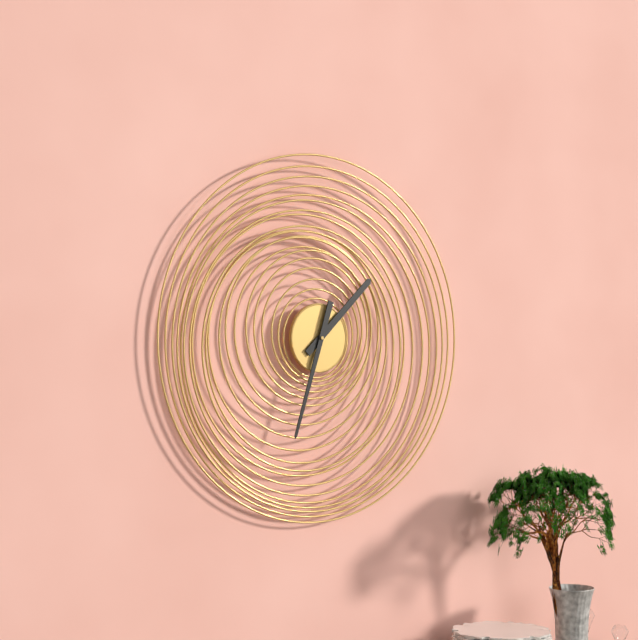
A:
1,33
